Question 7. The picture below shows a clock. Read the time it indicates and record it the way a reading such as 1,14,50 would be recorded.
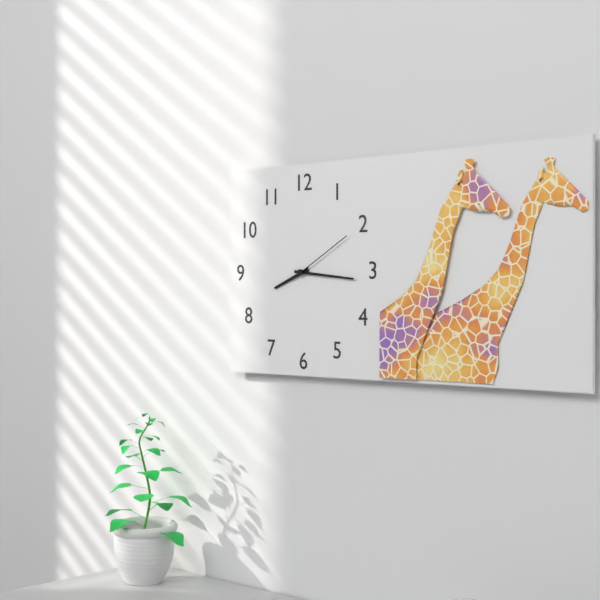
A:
8,16,10
